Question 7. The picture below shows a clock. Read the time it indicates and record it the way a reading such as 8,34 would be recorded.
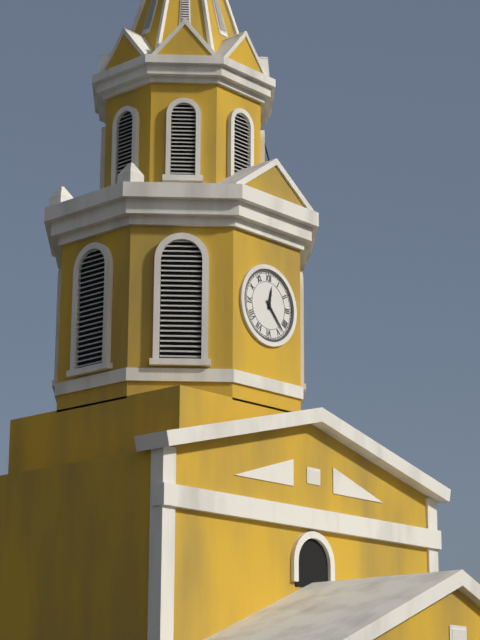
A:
12,23
